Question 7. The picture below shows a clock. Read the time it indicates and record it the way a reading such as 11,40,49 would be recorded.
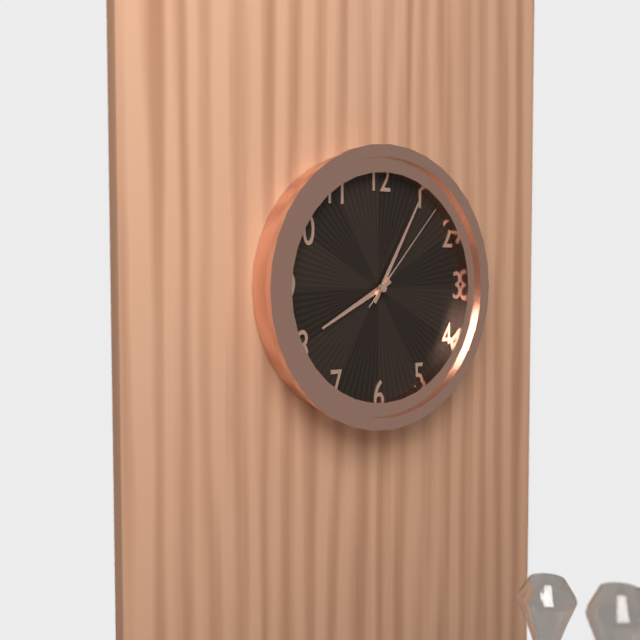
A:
8,05,07
